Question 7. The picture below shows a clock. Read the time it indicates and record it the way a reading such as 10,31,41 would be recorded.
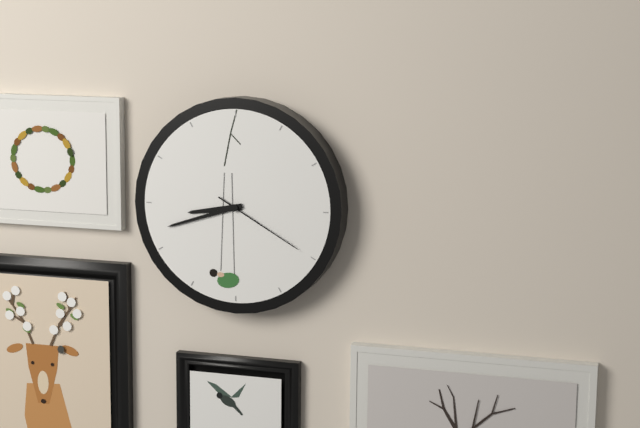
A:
8,42,20
